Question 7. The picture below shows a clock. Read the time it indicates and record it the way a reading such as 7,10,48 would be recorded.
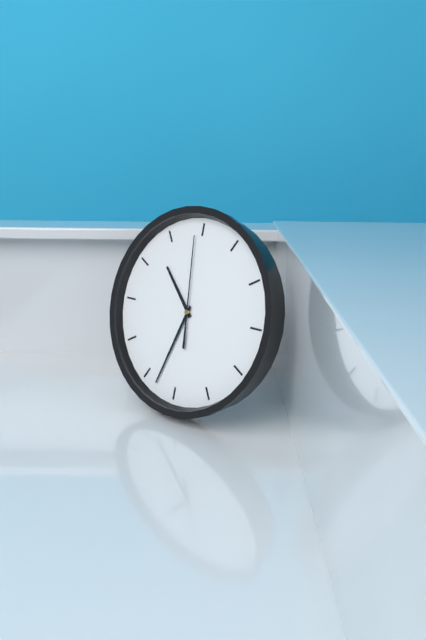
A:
10,33,59
